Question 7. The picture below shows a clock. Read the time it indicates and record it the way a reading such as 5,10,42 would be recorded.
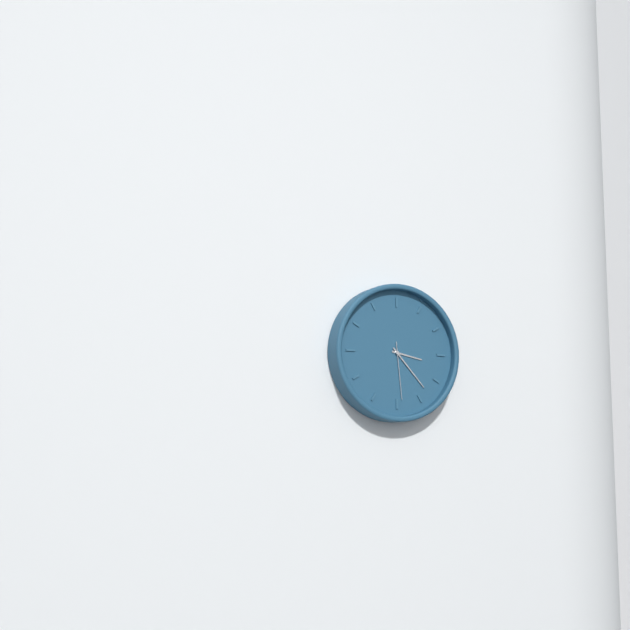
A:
3,23,29
